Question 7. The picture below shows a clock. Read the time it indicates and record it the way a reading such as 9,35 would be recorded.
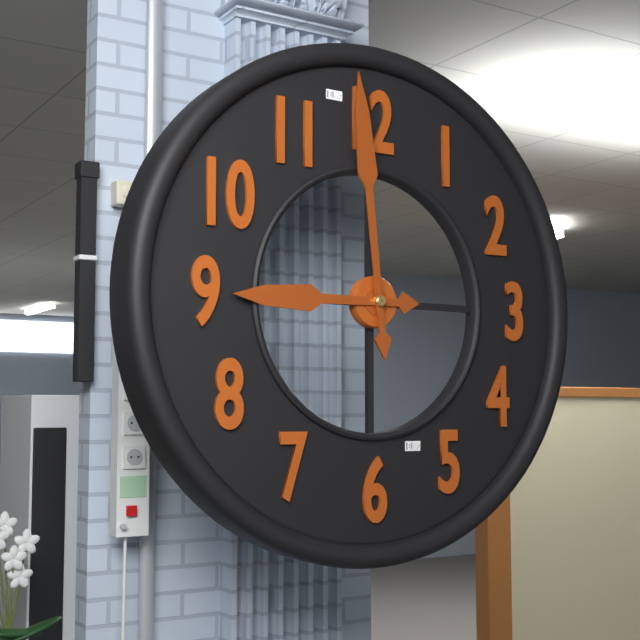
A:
8,59
